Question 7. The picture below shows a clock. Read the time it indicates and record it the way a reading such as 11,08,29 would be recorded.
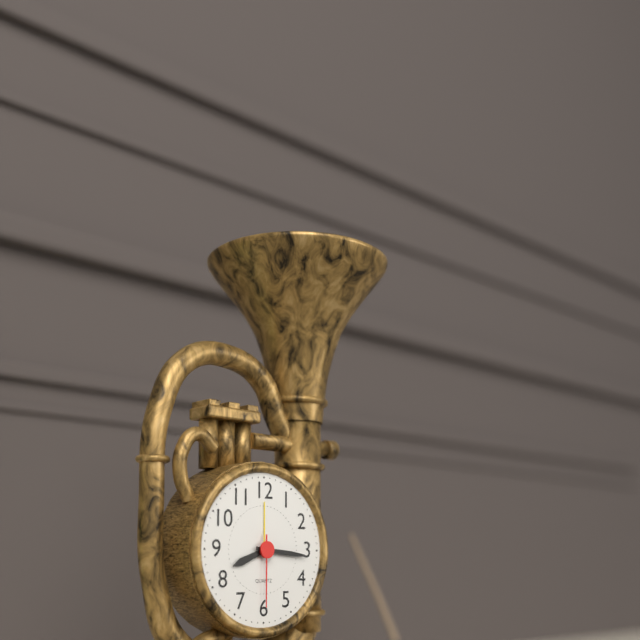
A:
8,16,30
